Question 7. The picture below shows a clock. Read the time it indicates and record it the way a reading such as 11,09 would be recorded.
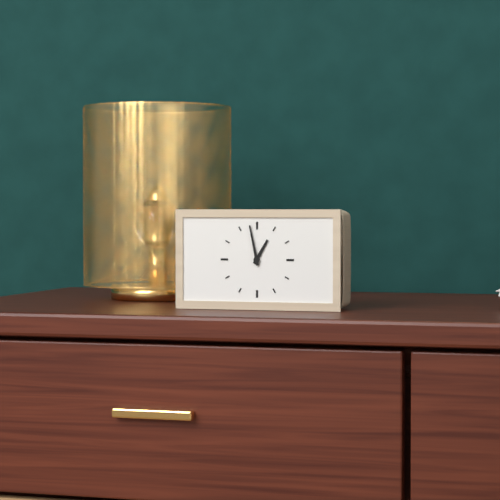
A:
12,58
